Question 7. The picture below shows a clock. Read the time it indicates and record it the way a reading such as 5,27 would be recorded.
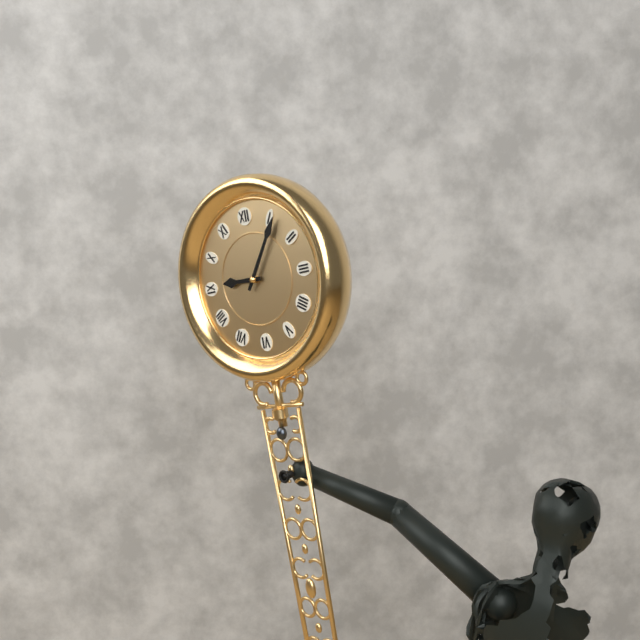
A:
9,06
